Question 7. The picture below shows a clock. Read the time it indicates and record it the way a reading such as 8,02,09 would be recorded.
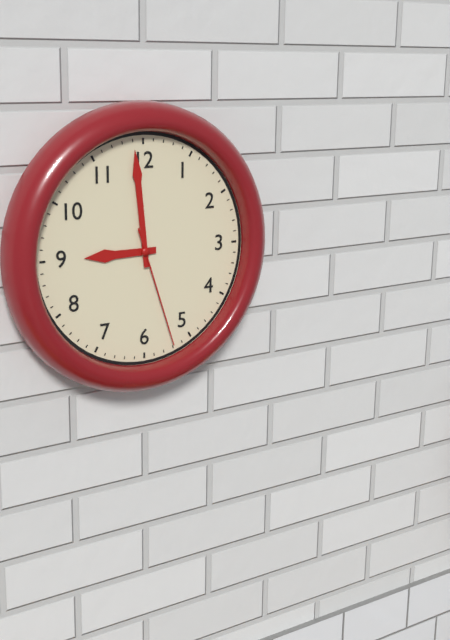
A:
8,59,27
